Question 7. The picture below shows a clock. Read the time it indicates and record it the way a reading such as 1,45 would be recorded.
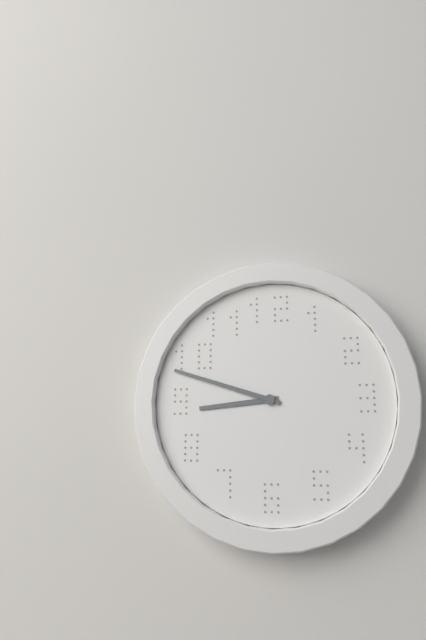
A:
8,48
